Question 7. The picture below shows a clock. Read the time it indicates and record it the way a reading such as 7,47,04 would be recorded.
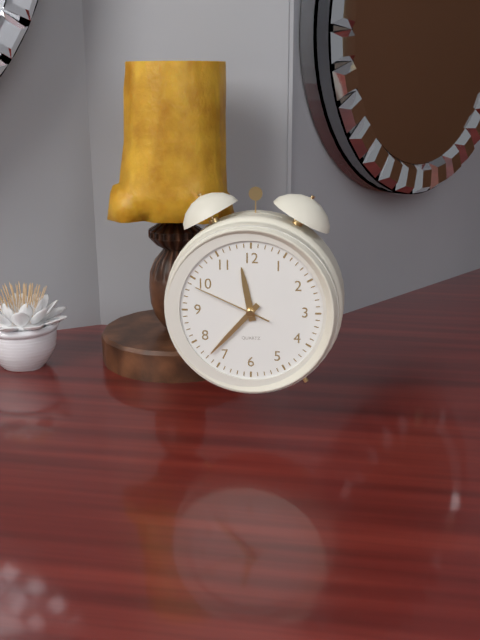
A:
11,37,49
